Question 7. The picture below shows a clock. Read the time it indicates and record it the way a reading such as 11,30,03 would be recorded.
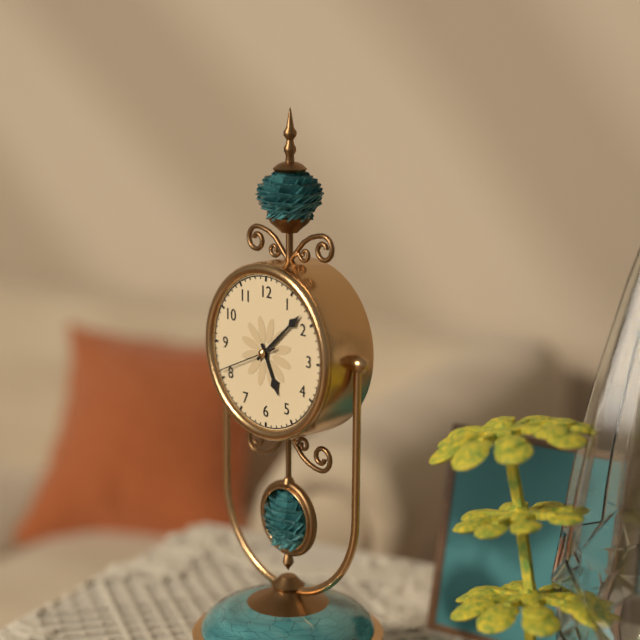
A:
5,08,41
